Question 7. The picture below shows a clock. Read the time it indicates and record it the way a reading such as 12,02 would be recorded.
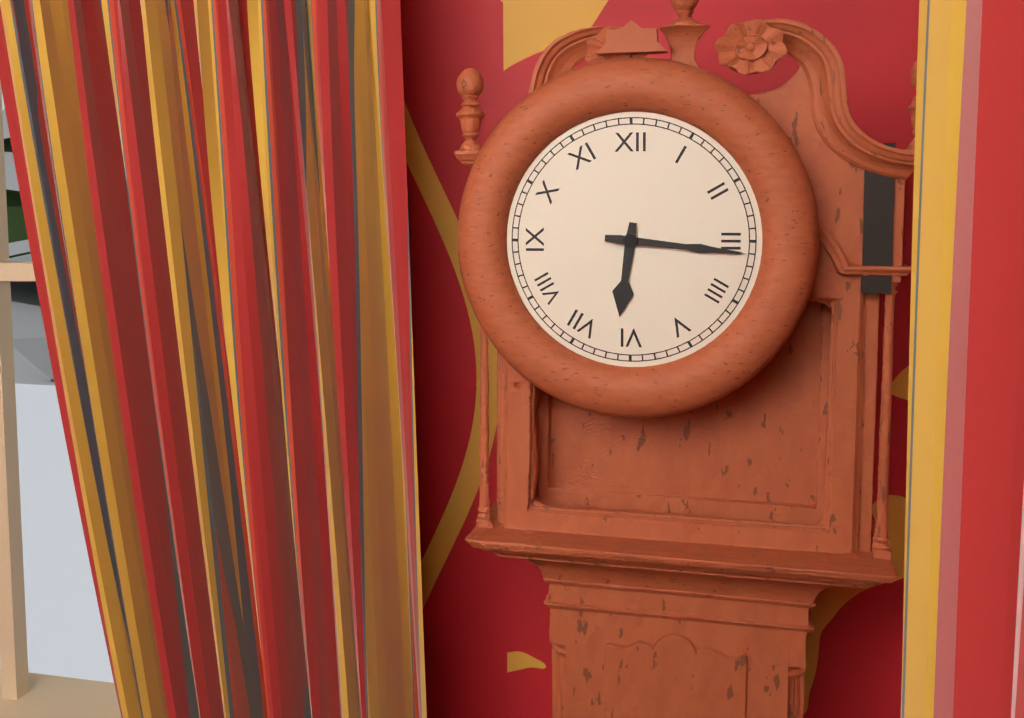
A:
6,16
